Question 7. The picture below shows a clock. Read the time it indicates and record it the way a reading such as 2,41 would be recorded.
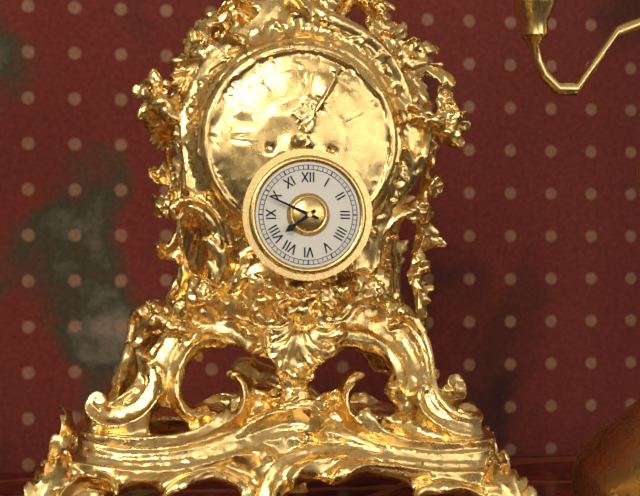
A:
7,49
